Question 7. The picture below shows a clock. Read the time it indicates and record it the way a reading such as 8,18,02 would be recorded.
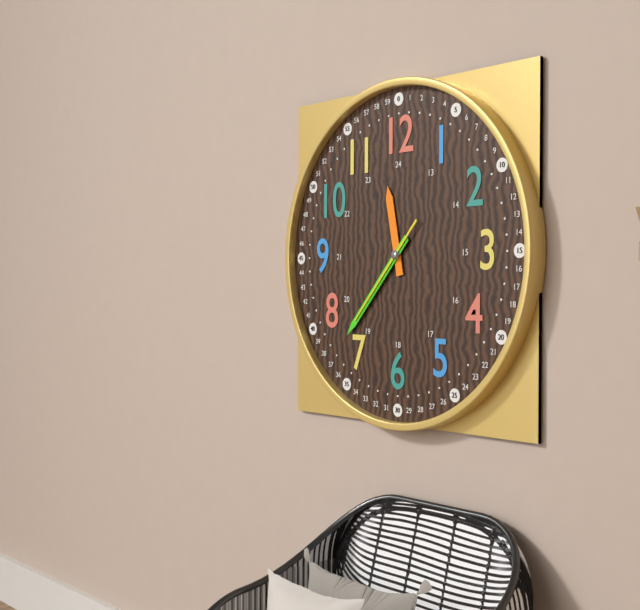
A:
11,37,37
